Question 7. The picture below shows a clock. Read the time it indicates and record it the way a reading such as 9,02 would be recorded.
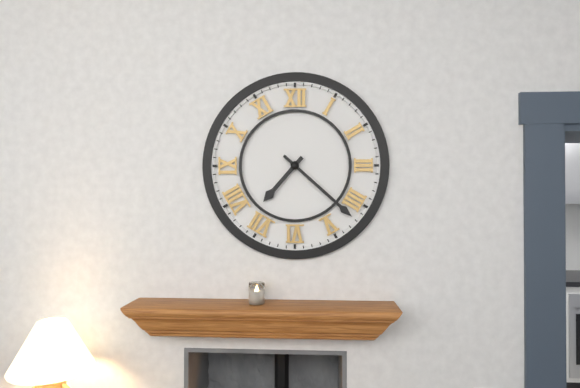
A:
7,22
